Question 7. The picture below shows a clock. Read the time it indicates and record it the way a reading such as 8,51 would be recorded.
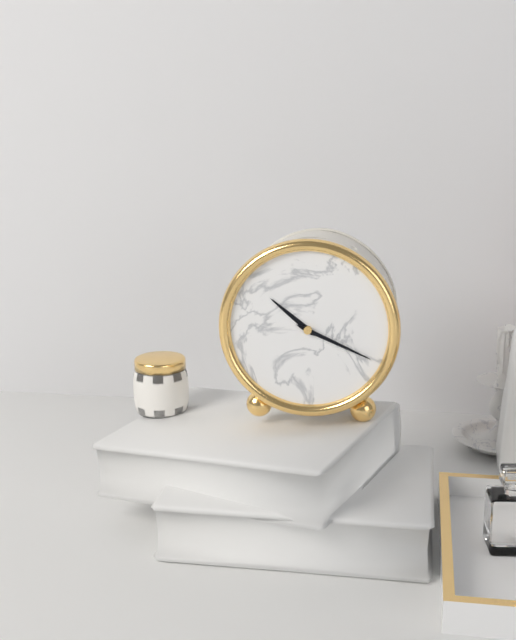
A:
10,19
